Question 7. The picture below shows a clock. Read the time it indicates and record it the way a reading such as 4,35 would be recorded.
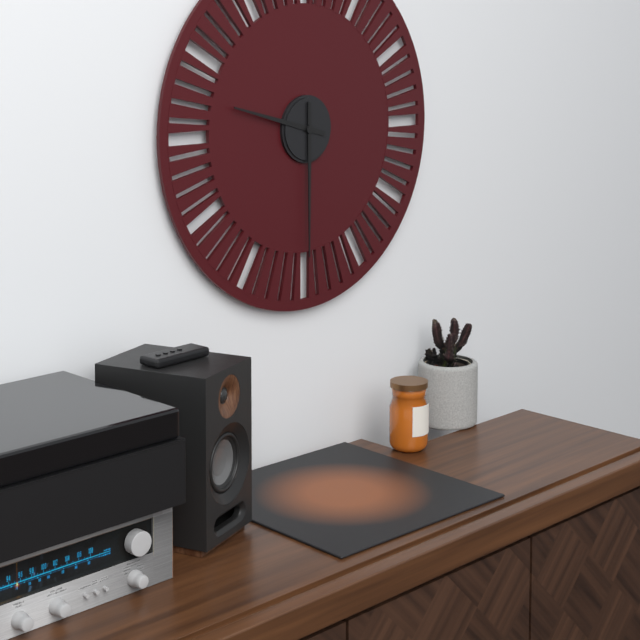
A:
9,30
